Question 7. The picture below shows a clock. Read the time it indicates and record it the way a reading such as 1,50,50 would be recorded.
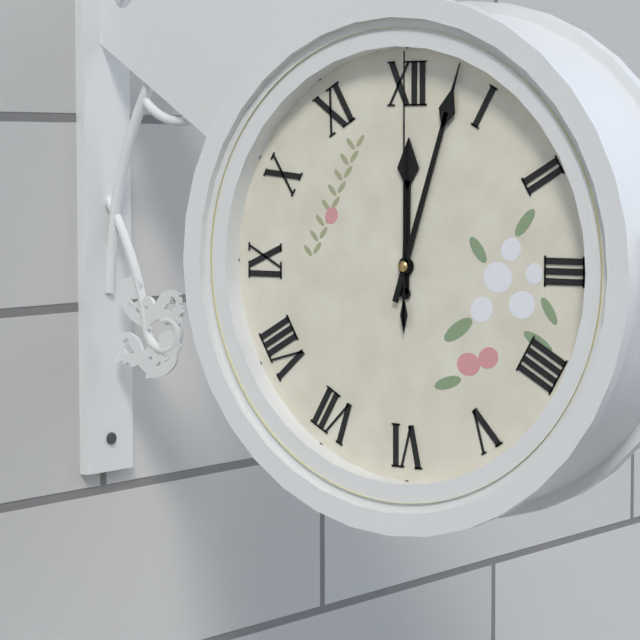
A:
12,03,00
